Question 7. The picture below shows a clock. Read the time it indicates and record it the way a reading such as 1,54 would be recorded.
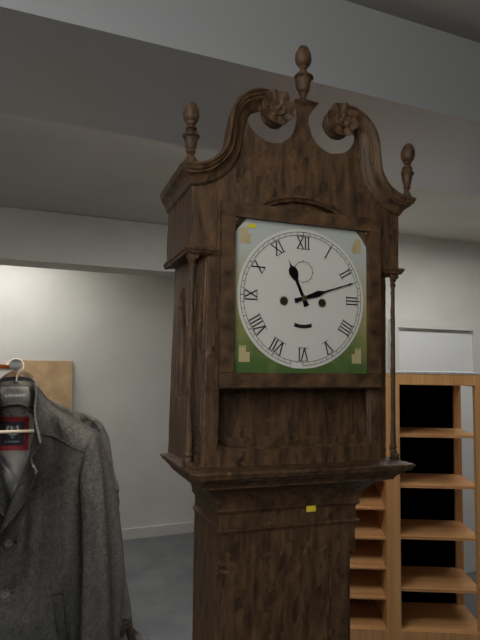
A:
11,12
